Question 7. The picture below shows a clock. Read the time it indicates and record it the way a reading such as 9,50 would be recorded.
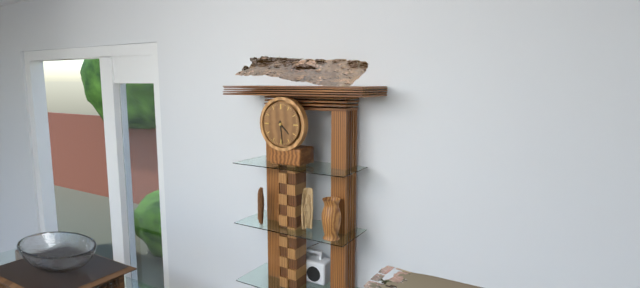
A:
4,29
